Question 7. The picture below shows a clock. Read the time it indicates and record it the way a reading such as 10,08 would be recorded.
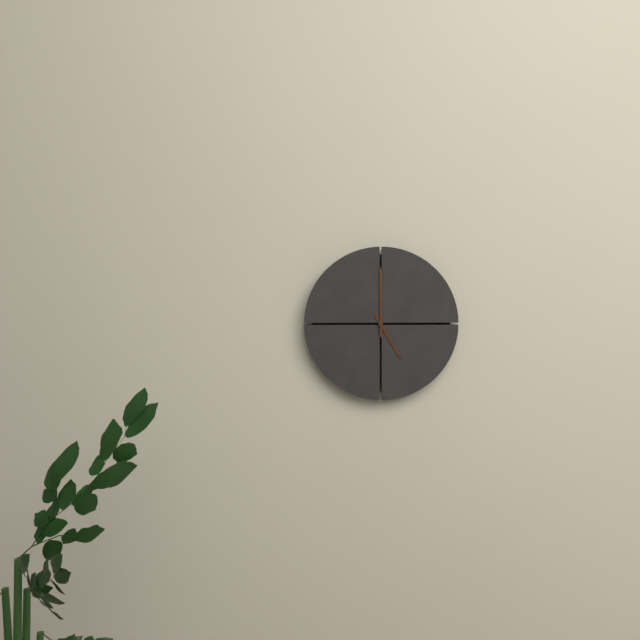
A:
5,00
